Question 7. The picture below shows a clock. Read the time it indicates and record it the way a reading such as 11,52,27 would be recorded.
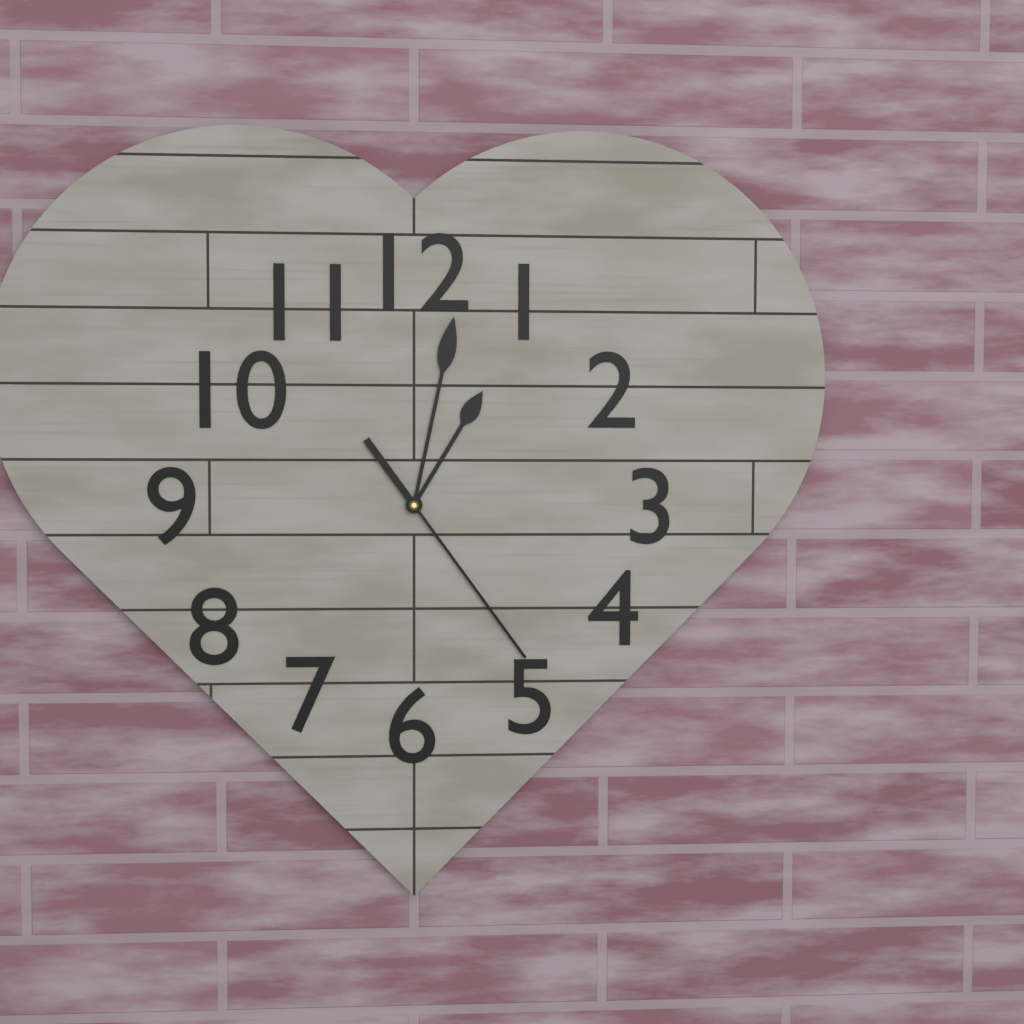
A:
1,02,24
